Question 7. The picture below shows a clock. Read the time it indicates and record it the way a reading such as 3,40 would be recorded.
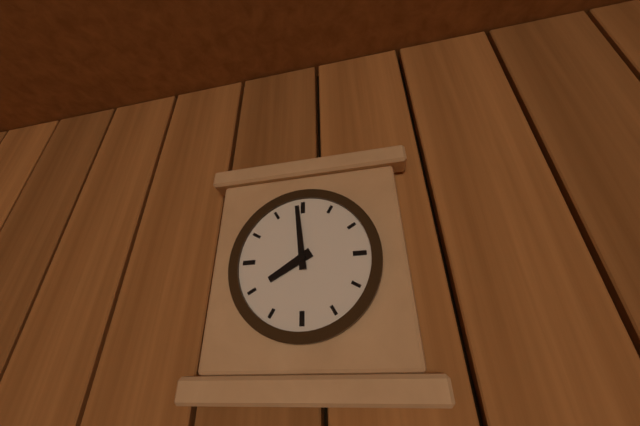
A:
7,59
